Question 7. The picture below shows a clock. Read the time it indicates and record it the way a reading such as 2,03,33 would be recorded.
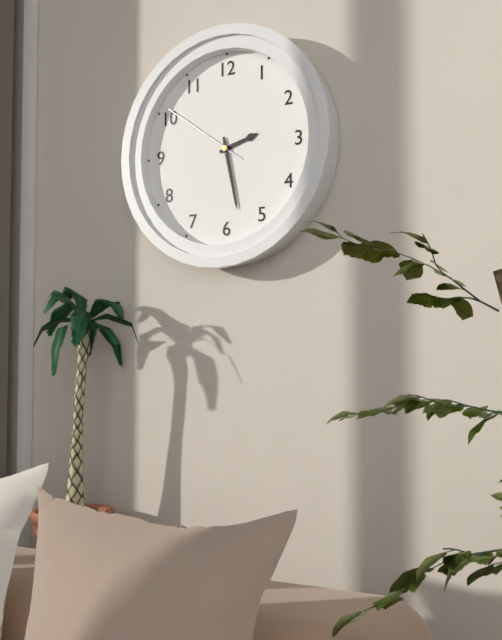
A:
2,28,51
